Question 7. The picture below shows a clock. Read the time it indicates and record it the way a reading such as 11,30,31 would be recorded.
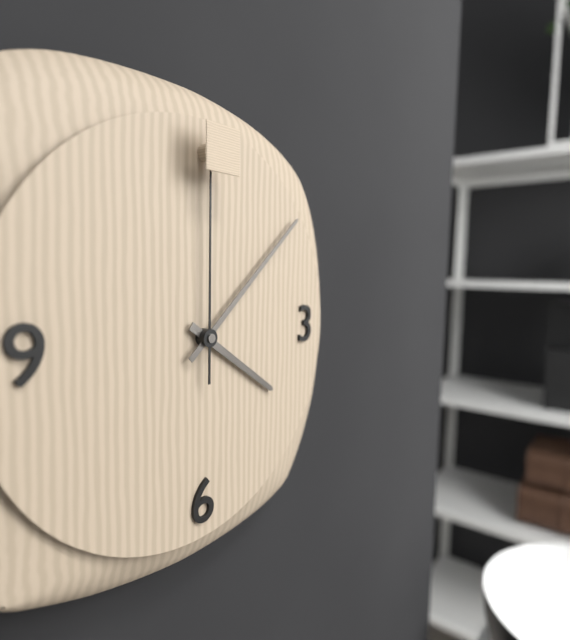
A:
4,08,00
